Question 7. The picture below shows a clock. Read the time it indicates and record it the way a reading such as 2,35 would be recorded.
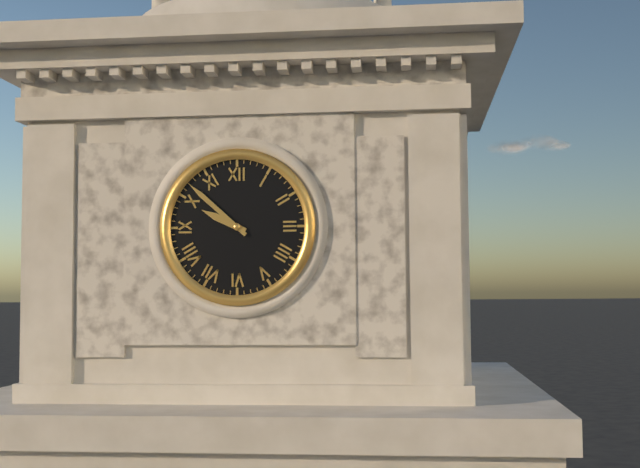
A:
9,52
